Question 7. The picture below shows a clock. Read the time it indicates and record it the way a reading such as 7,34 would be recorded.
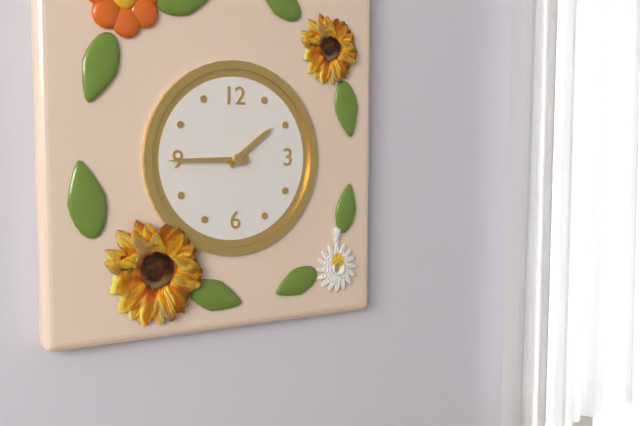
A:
1,45
